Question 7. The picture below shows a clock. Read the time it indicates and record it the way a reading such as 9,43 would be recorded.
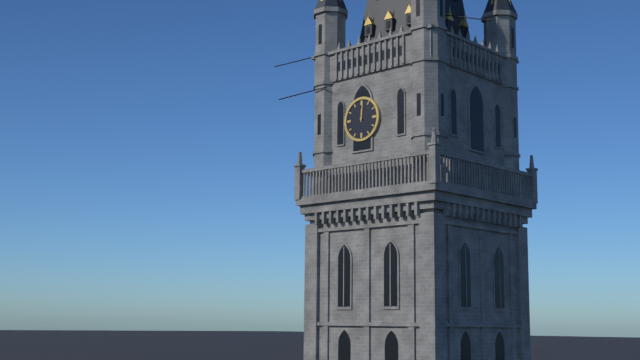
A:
12,01
